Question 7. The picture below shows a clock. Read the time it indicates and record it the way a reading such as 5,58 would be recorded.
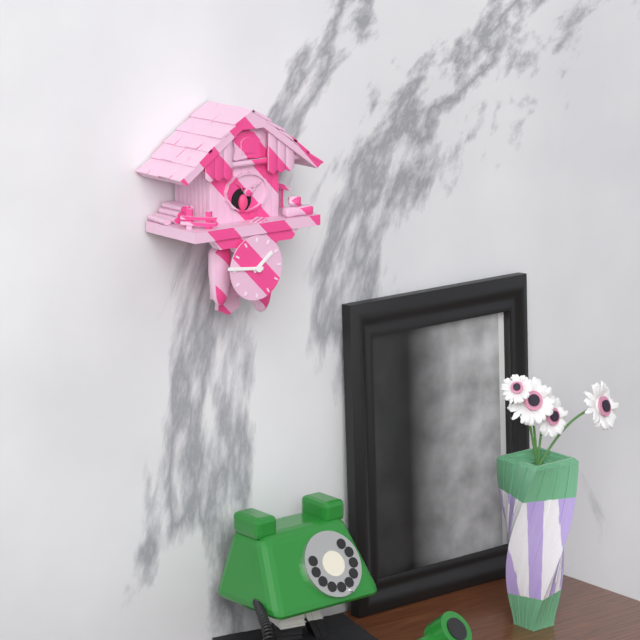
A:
1,46
